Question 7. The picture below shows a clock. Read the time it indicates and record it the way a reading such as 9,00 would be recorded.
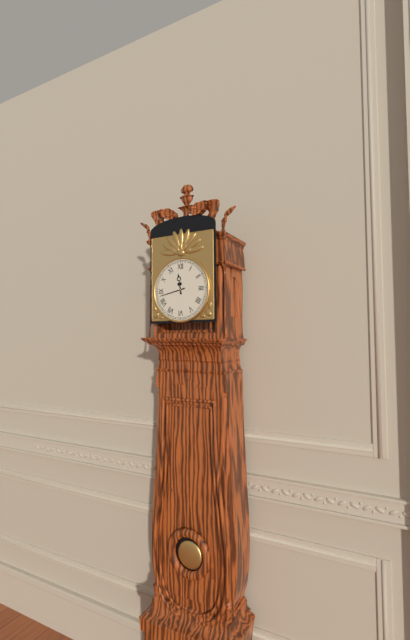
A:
11,43
